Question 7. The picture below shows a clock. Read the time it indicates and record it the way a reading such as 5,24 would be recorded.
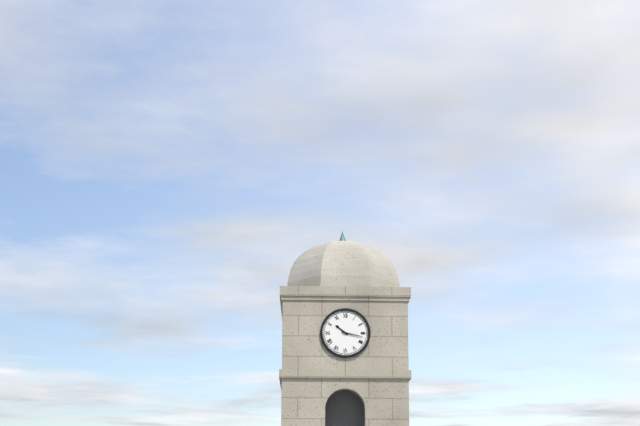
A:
10,17
